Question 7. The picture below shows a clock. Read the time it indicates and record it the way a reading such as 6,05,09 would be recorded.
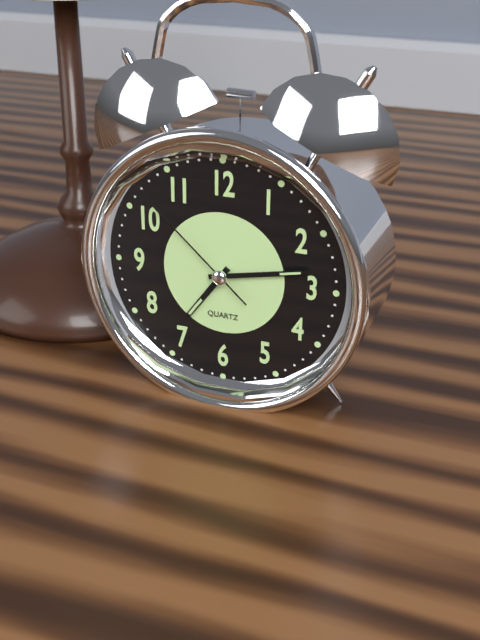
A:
7,13,52
